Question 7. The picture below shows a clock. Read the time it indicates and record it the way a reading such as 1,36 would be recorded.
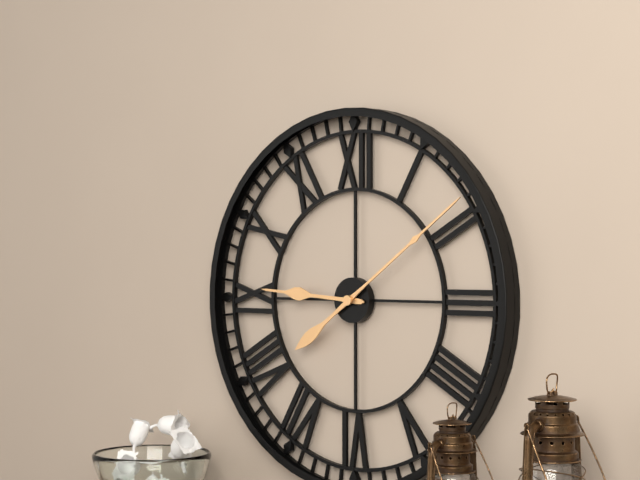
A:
9,09
